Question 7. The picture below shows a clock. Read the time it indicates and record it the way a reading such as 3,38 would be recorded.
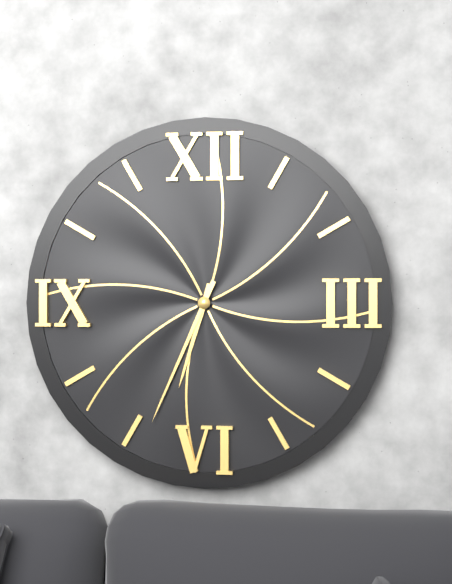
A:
6,34
